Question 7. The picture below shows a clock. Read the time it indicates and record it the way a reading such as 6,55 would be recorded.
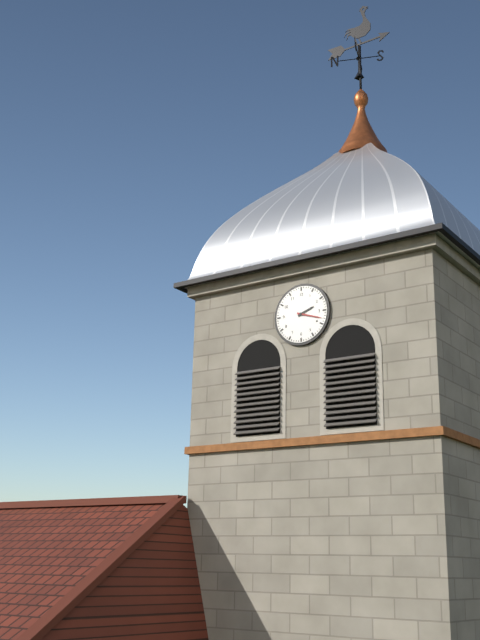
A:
2,18
